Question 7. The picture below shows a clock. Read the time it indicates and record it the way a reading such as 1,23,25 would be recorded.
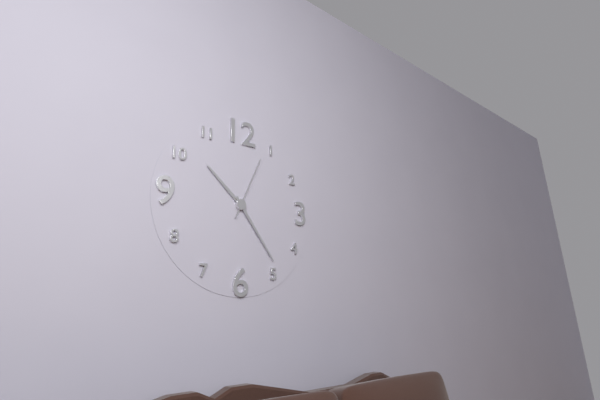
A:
10,24,04
